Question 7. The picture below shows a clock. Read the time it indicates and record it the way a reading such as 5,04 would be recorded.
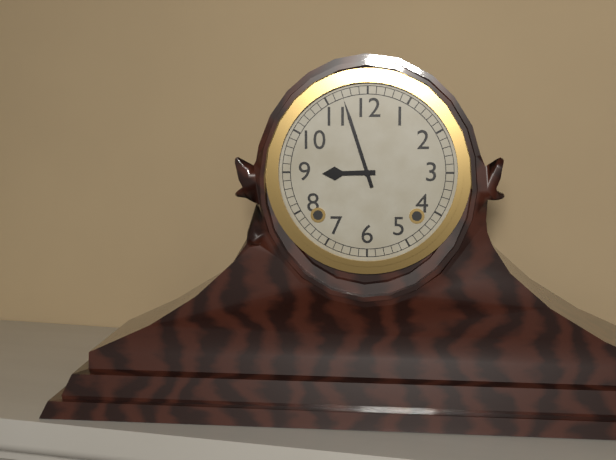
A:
8,57
